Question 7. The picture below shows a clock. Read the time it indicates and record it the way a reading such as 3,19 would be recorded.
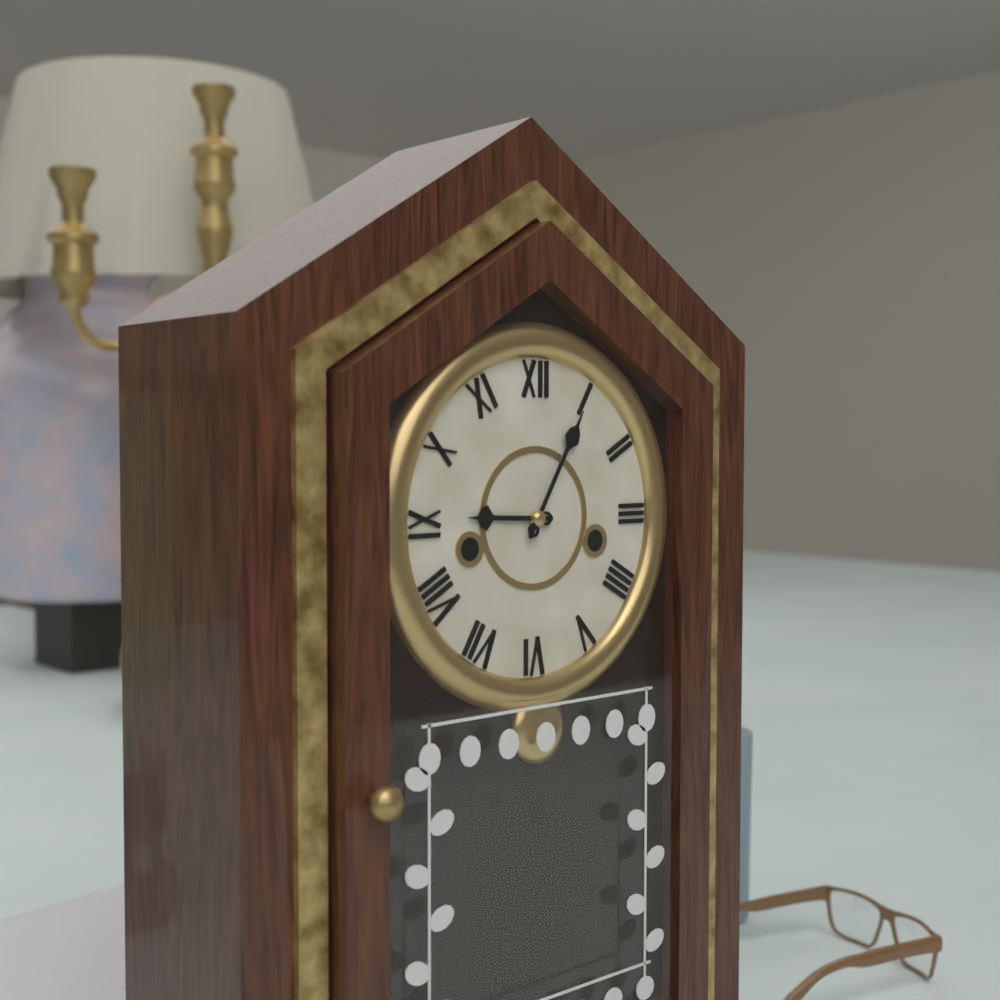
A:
9,05
